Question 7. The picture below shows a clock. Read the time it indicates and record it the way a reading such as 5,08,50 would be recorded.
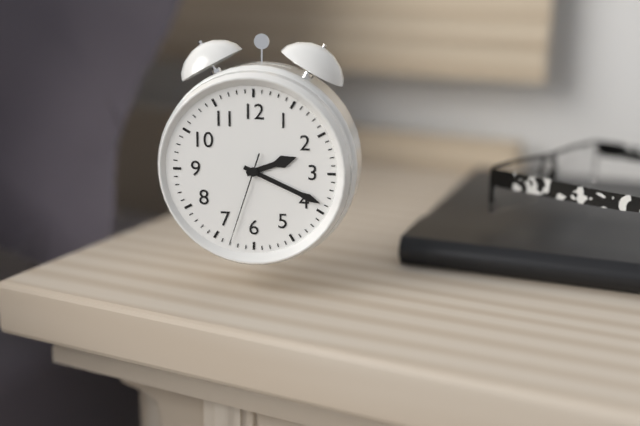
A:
2,19,33
